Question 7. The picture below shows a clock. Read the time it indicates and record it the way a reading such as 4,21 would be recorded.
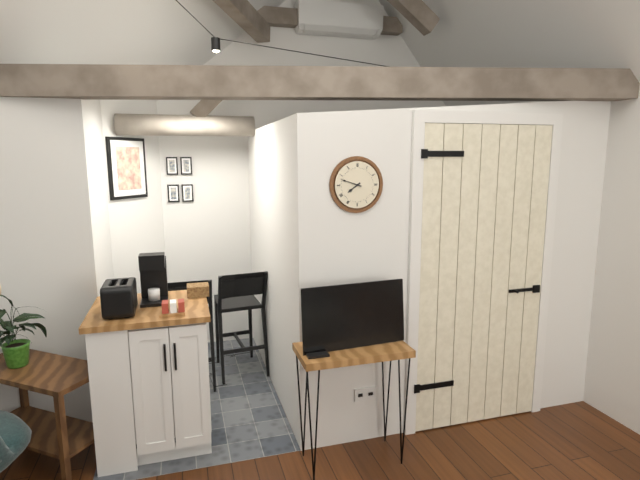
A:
7,48
